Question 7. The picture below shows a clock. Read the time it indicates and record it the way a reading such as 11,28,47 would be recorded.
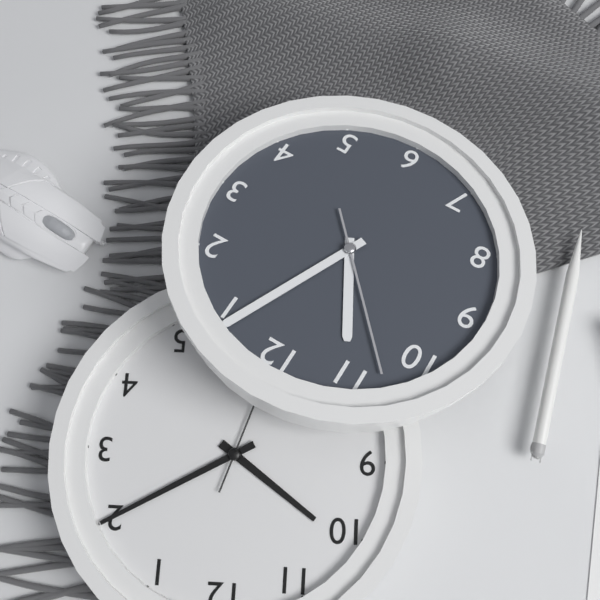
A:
11,04,53
